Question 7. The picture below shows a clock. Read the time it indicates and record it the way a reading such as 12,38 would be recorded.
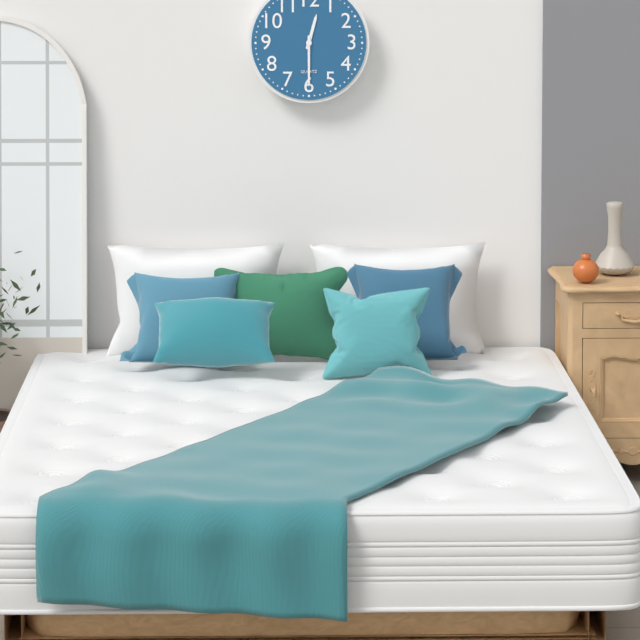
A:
12,30
